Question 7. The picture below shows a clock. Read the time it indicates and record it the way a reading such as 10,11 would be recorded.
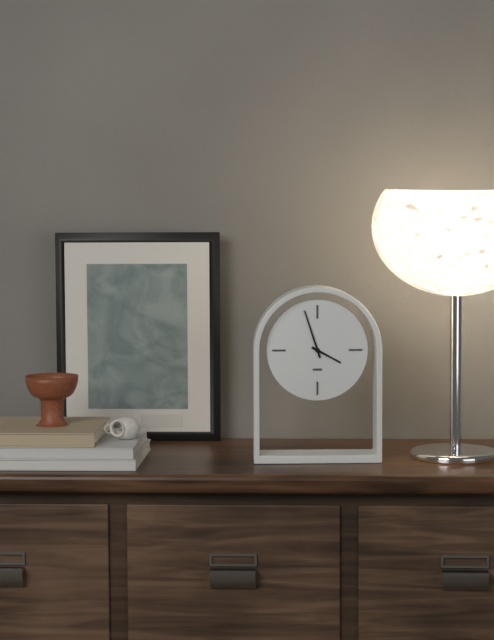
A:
3,57
